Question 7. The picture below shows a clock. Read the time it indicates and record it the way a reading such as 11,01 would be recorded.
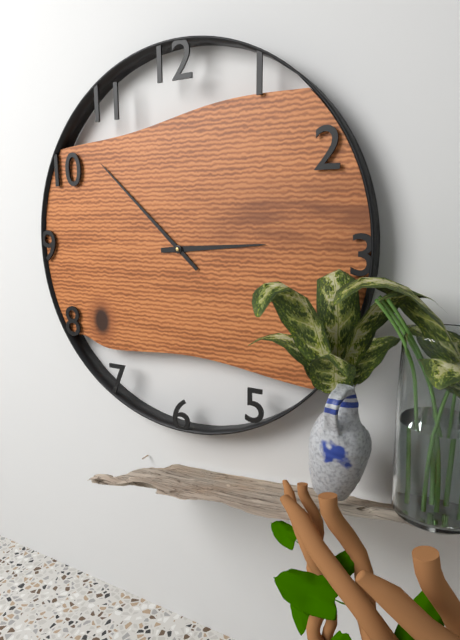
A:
2,52
